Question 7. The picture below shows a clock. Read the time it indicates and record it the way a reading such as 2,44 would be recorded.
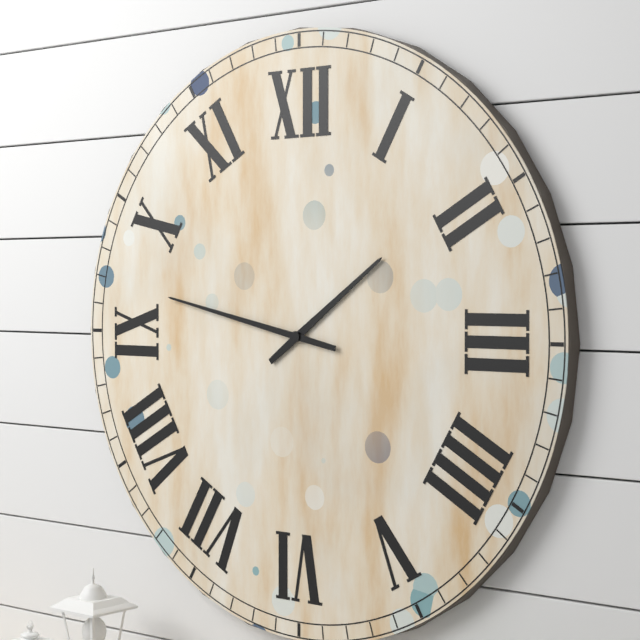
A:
1,47
